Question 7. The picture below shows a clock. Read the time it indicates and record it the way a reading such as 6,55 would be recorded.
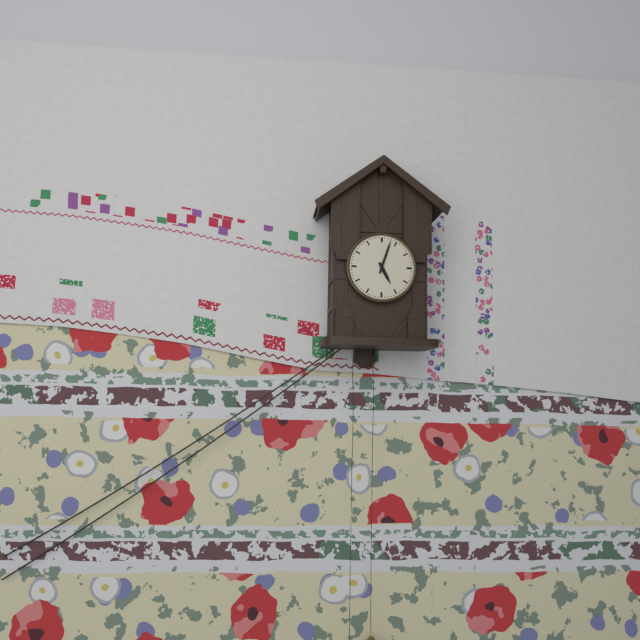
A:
5,03
